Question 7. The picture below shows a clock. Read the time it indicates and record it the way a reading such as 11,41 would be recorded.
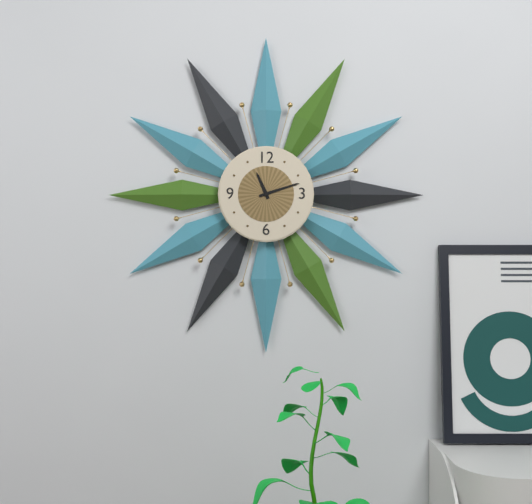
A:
11,12
